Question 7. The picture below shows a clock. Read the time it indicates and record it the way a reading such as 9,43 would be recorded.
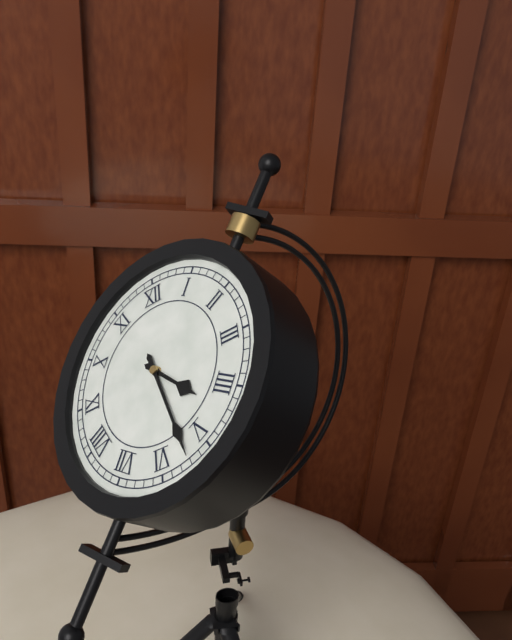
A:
4,27
